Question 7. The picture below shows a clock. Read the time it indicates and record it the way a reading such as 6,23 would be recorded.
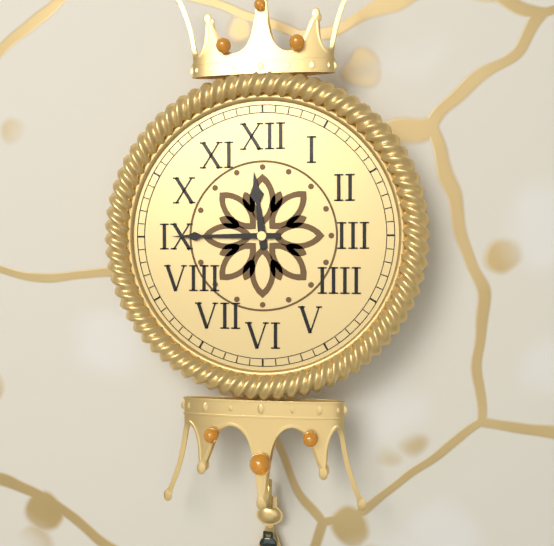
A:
11,45
